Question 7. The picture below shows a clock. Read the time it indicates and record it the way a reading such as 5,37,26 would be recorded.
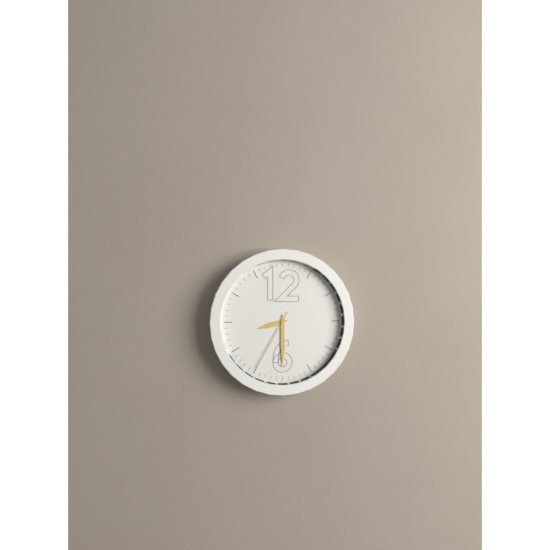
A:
8,30,35
